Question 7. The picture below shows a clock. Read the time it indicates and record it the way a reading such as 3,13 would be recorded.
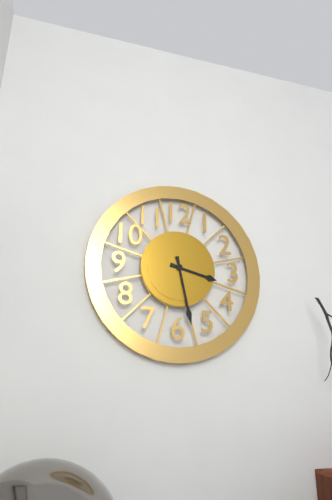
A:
3,28
